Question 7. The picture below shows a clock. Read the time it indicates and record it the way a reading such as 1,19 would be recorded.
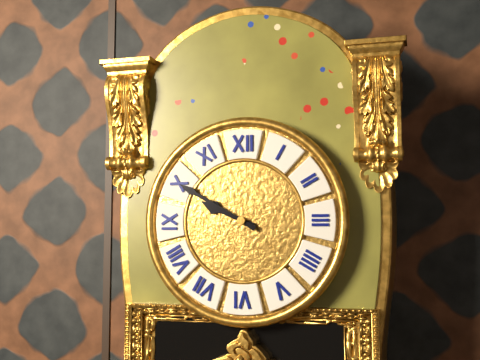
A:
9,50
